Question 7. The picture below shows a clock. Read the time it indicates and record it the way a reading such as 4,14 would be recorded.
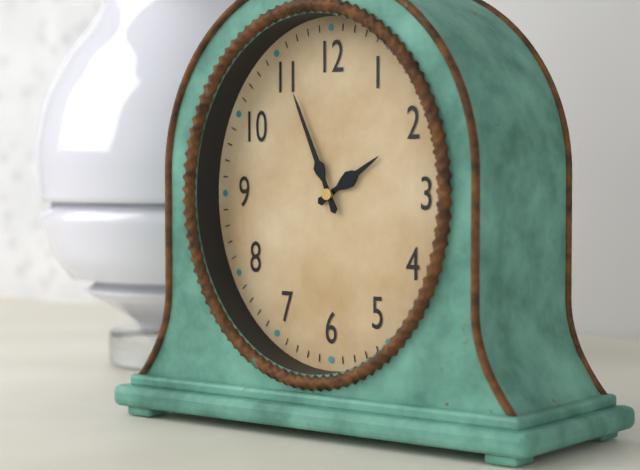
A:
1,56
